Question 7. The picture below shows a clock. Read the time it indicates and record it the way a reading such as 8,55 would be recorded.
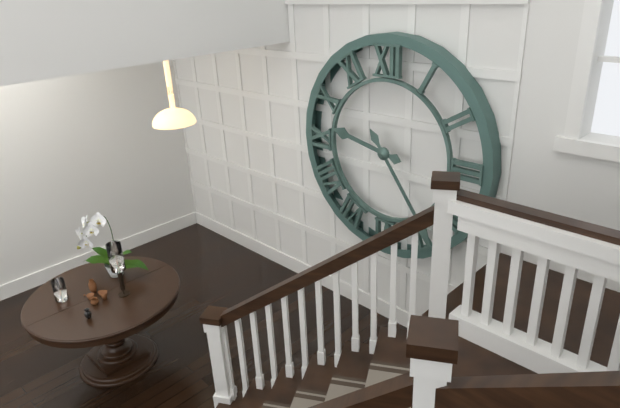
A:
9,24
